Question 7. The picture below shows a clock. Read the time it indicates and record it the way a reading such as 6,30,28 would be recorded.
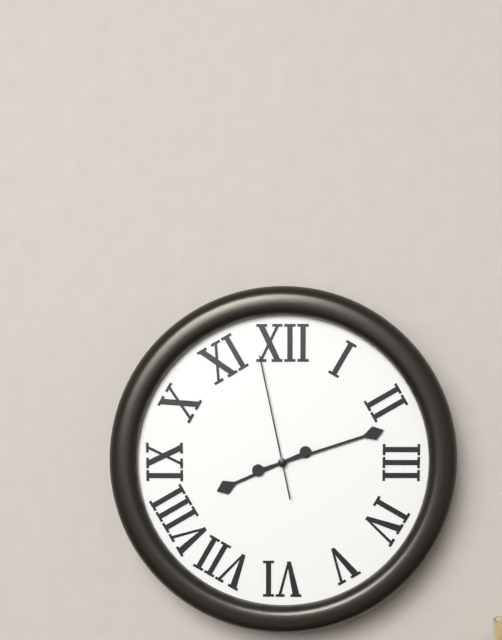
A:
8,12,58
